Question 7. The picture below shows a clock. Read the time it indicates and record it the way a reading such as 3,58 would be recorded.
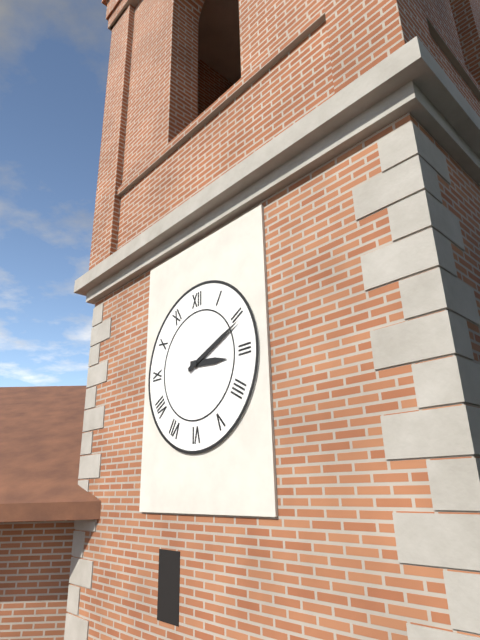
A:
3,11
